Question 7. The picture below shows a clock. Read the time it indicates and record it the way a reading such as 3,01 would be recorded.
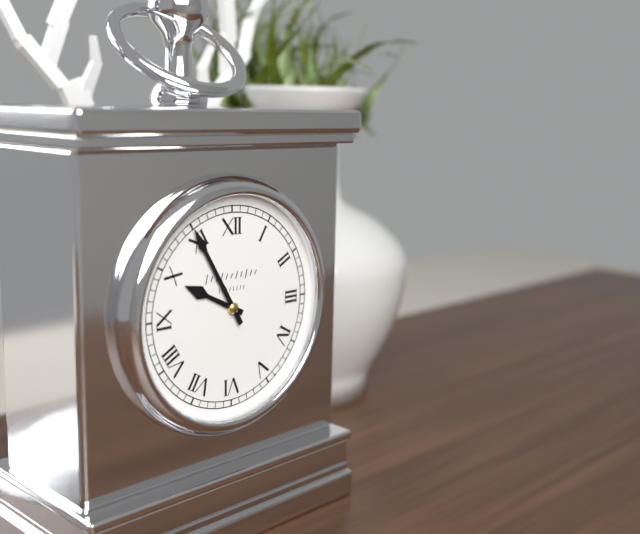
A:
9,55
